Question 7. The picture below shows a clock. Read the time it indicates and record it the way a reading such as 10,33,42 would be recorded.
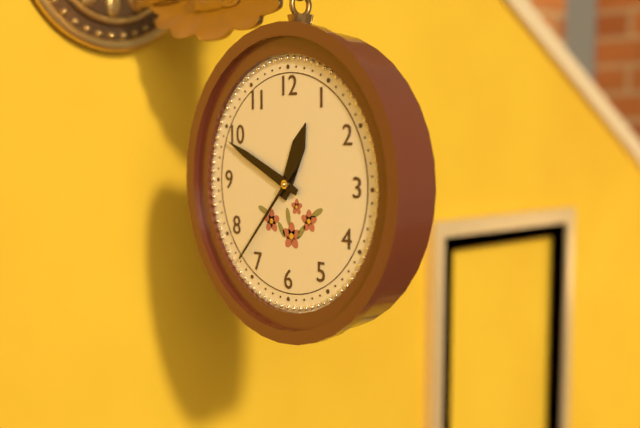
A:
12,49,37
